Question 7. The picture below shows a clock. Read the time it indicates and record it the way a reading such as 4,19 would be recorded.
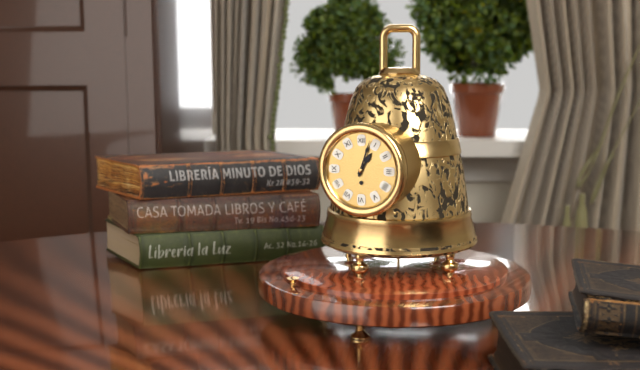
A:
1,03
